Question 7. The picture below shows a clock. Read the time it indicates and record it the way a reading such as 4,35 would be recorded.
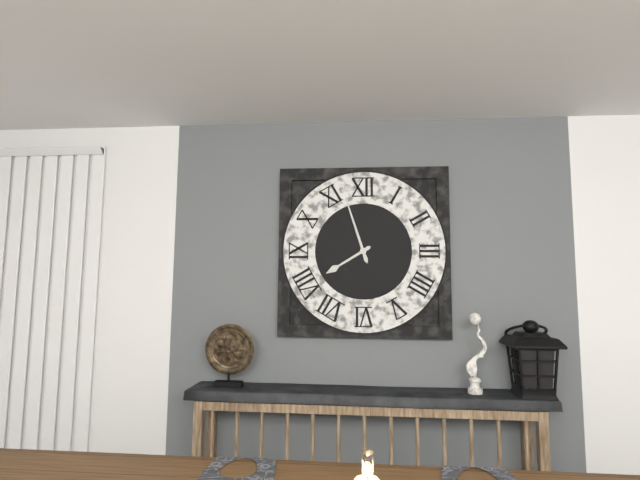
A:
7,57
